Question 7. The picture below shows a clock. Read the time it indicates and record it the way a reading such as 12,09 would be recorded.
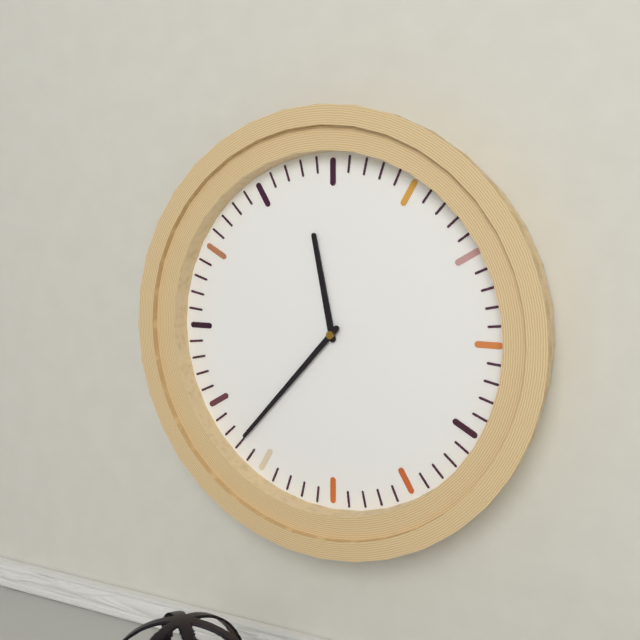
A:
11,37
